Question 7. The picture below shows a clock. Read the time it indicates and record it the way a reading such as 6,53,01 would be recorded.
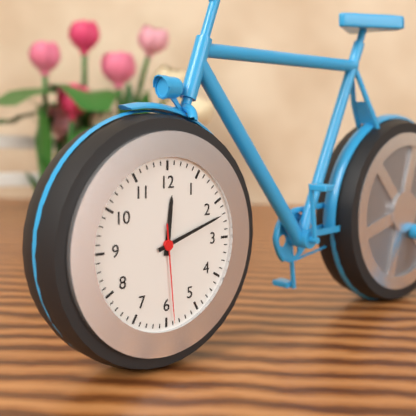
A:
12,12,29
